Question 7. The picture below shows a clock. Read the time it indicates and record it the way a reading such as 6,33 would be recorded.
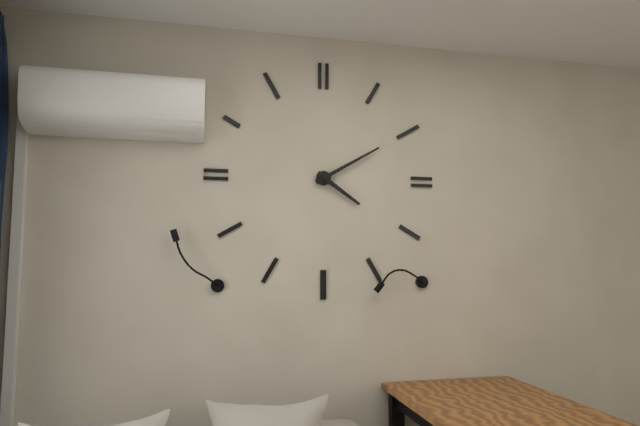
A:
4,10
